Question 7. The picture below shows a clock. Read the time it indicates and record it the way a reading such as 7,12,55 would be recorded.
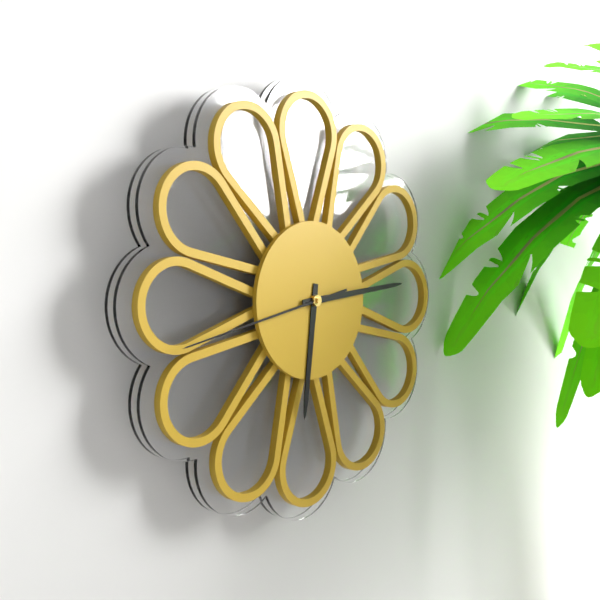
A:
6,14,43
